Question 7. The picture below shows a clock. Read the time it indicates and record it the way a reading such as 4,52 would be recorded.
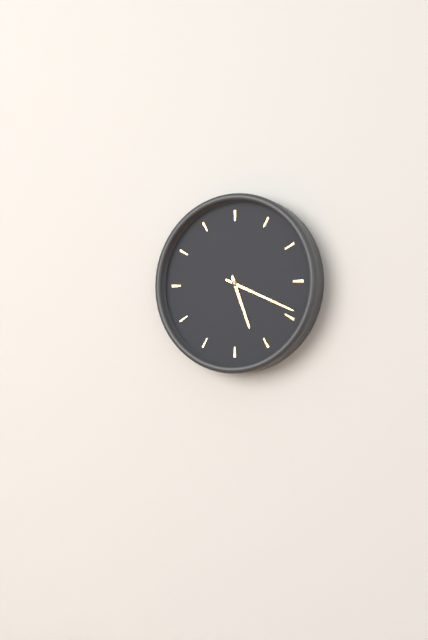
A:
5,19
